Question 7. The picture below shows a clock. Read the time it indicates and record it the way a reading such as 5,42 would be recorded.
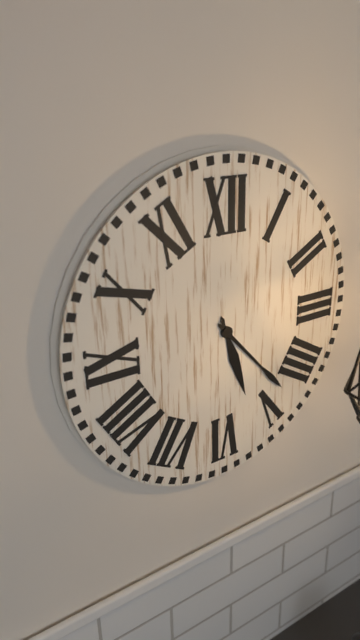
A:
5,23
